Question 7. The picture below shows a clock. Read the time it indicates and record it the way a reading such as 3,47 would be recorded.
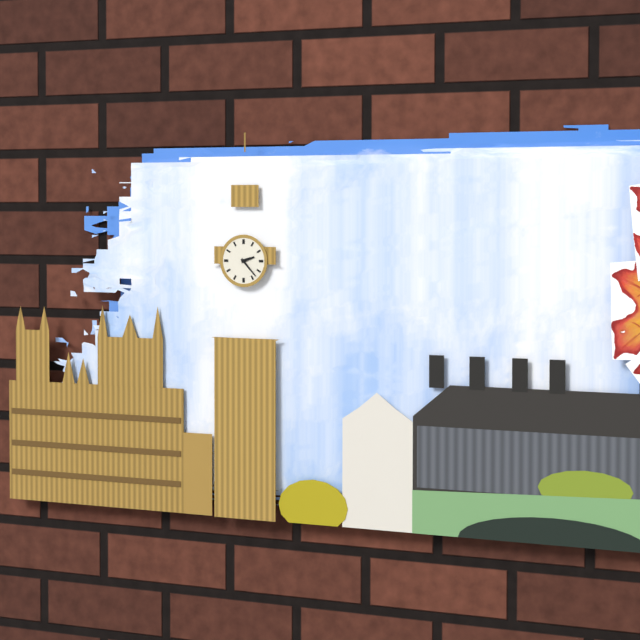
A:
2,23
